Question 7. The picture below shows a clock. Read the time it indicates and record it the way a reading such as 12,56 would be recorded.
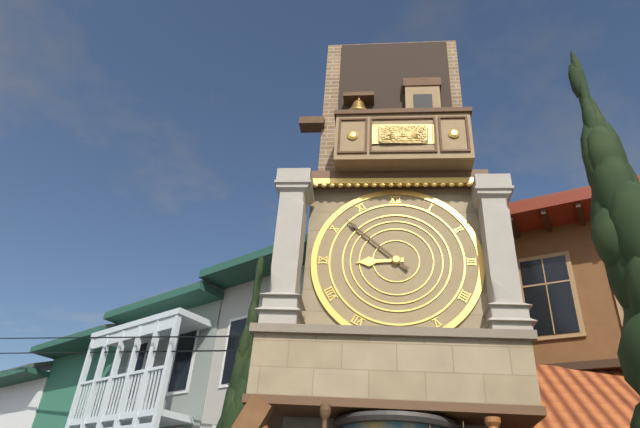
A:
8,52
